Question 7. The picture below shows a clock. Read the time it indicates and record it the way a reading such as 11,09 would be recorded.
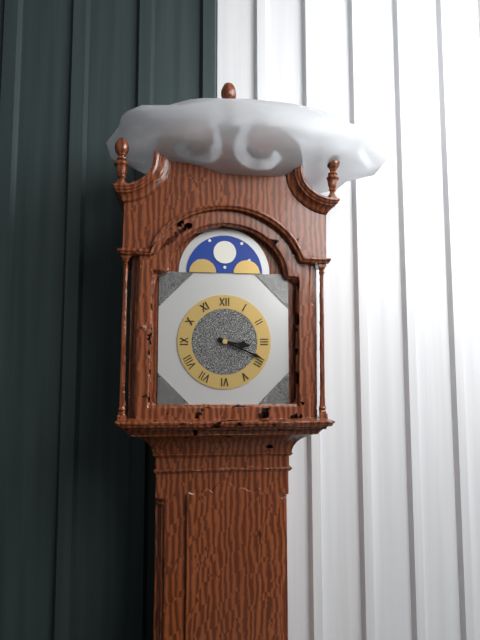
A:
3,19
